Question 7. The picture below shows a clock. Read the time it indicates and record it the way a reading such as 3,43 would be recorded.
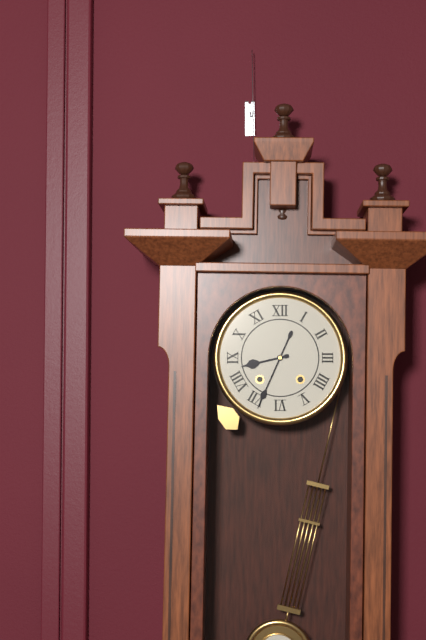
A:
8,34
